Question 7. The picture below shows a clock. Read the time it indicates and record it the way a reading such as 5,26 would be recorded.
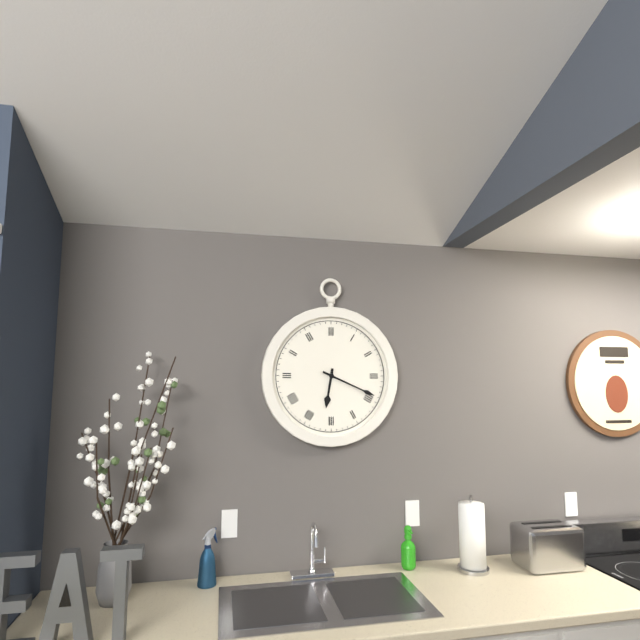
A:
6,19
